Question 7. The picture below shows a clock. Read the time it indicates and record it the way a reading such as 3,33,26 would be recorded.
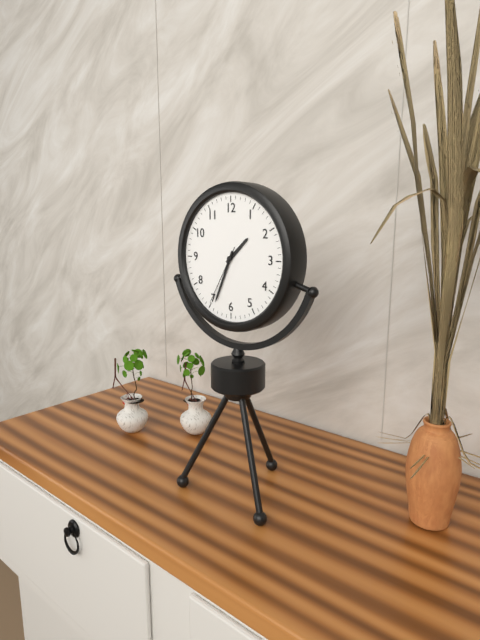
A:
1,34,35
